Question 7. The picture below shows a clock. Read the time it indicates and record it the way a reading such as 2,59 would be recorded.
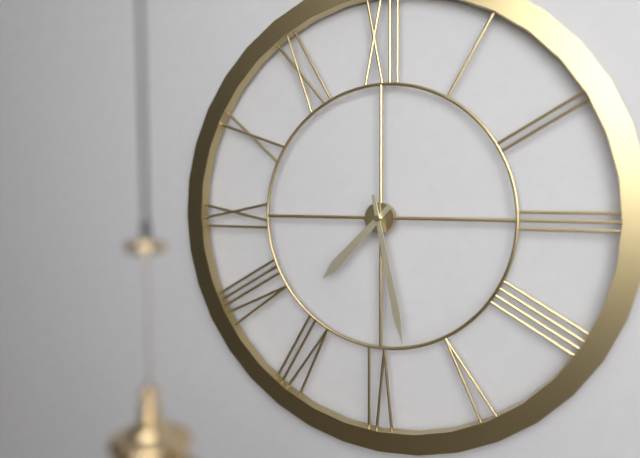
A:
7,28
